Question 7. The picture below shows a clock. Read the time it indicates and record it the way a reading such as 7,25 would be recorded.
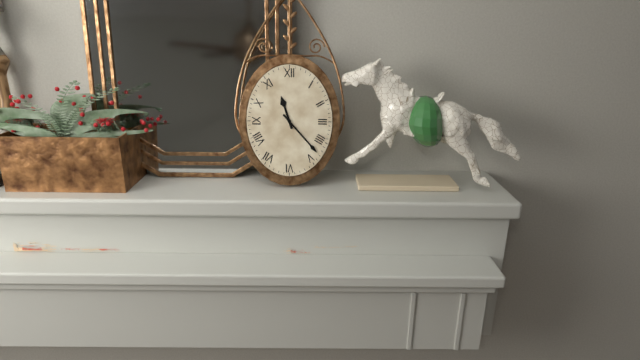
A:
11,23
